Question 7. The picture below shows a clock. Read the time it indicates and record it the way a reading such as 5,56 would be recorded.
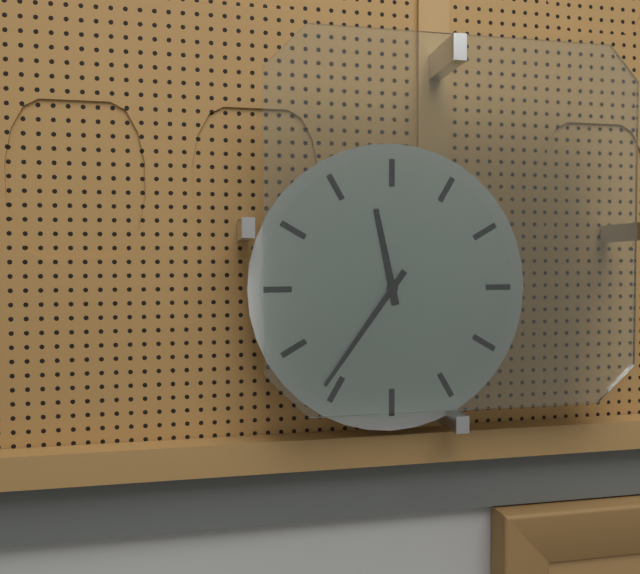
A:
11,36
